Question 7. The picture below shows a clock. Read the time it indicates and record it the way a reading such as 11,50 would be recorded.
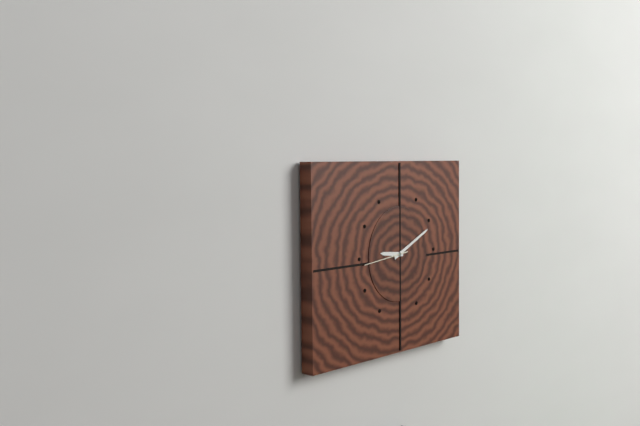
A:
9,11
